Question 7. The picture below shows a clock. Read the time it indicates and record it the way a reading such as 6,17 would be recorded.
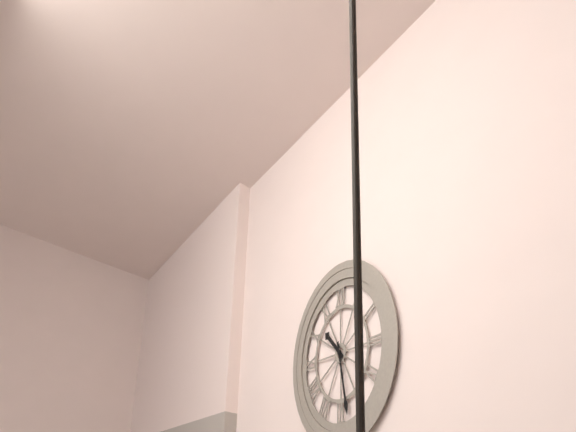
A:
10,28
